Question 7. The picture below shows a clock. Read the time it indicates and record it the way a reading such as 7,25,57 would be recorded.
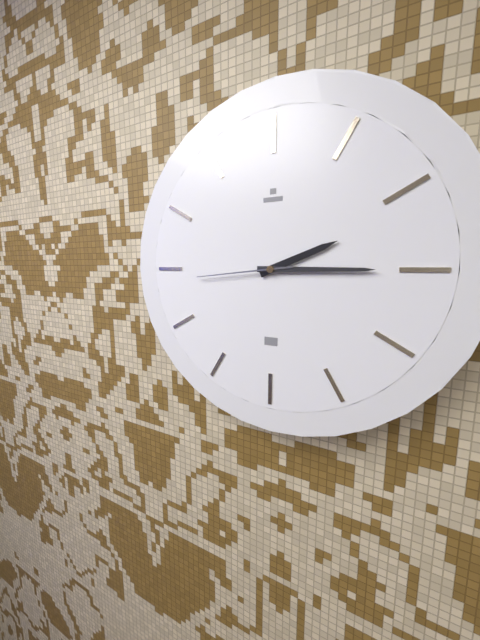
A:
2,15,44
